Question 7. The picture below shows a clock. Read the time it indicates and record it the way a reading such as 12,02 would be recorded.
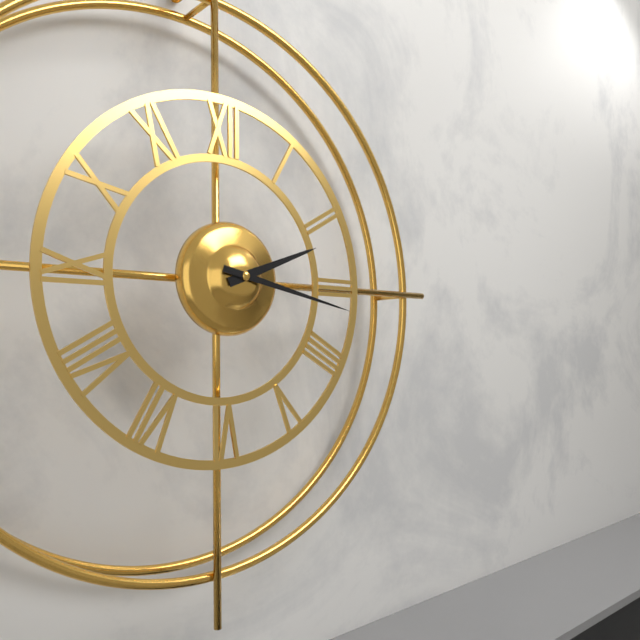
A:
2,17
